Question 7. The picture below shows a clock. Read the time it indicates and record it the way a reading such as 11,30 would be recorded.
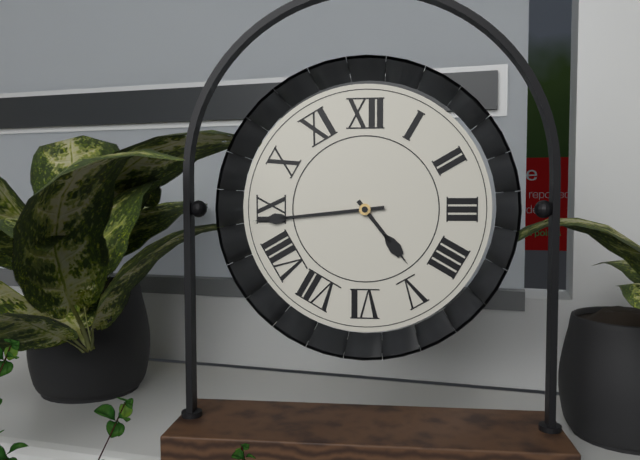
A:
4,44
